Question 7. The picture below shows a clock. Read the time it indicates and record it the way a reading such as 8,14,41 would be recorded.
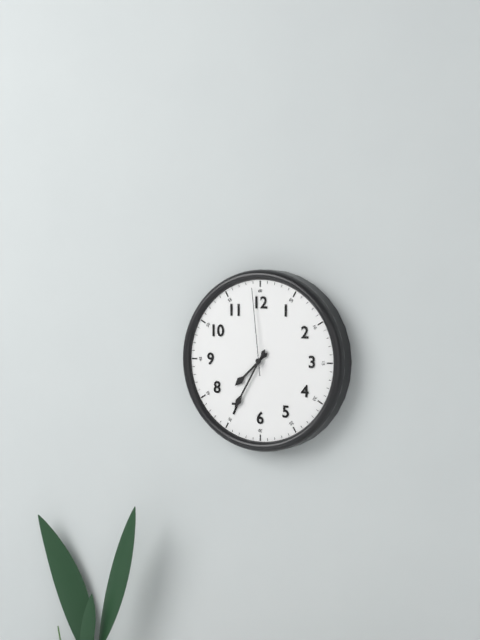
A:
7,35,59
